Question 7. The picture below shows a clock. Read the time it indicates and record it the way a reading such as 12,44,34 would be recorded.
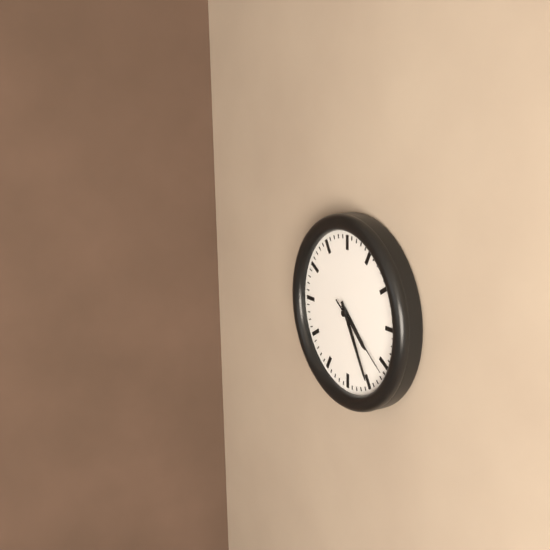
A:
4,25,21
